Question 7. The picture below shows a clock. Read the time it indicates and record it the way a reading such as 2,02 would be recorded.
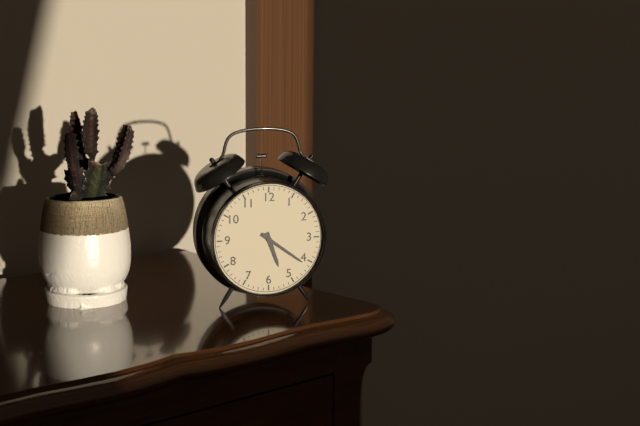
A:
5,21
